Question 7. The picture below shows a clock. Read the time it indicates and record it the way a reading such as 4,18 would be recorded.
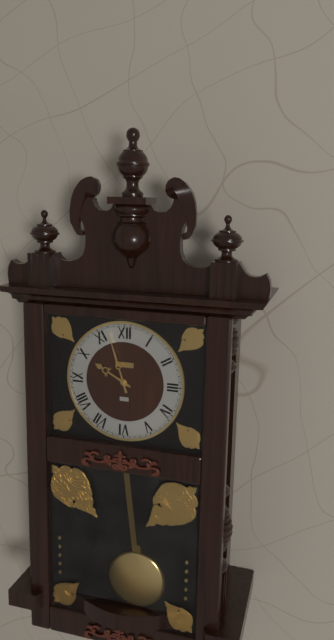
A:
9,57
